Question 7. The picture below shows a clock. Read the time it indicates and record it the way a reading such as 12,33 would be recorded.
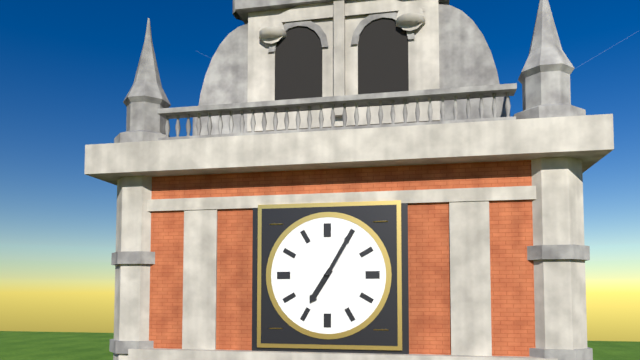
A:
7,05
